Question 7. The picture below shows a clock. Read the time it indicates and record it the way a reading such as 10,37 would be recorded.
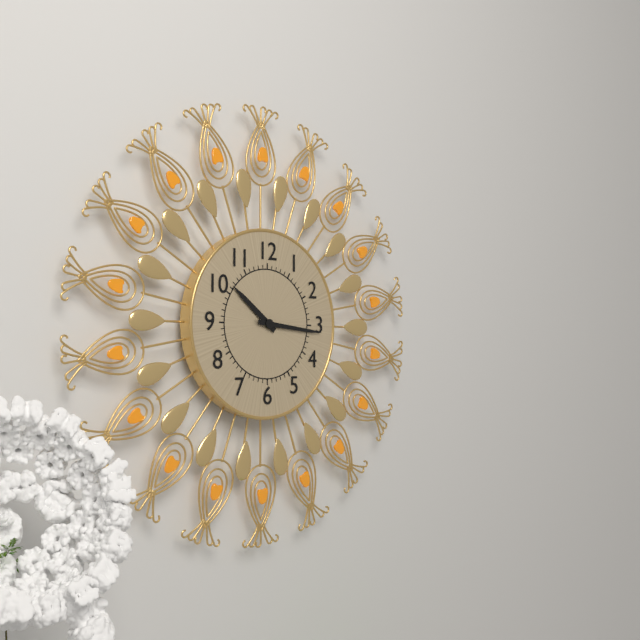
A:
10,16
